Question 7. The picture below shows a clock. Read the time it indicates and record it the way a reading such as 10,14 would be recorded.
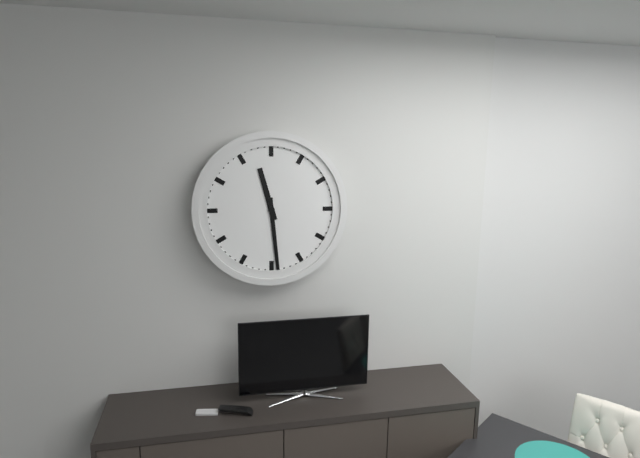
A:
11,29
